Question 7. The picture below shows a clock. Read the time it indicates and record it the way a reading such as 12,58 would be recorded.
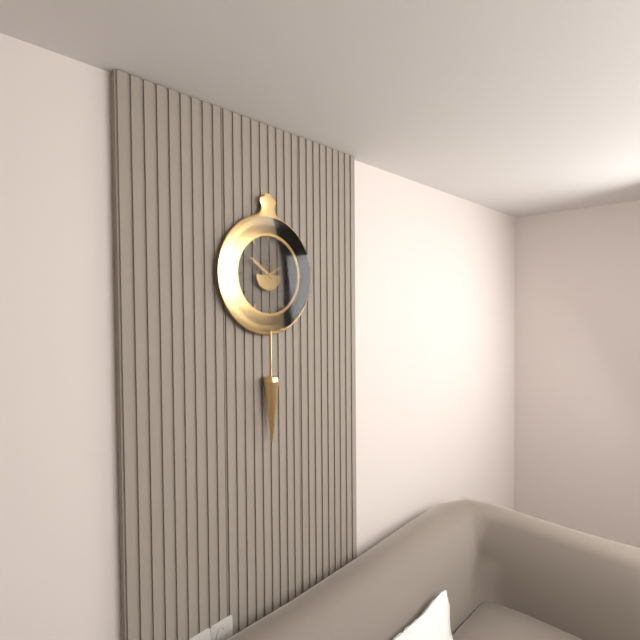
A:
10,10
